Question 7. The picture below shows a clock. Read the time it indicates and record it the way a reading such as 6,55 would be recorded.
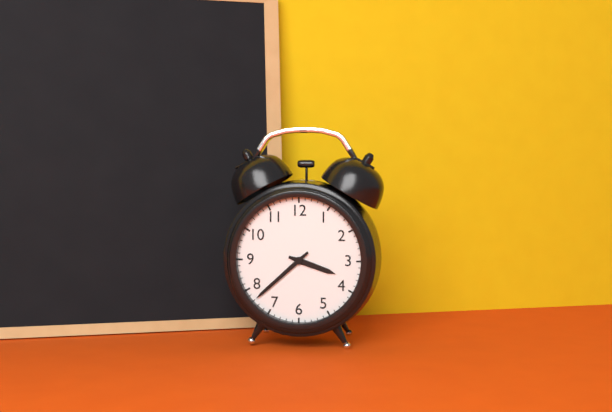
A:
3,38
